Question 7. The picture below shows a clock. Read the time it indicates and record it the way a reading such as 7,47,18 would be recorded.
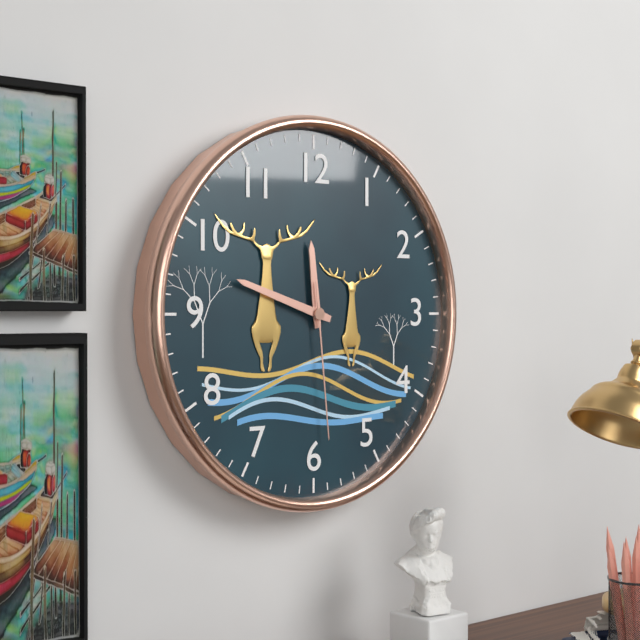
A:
11,48,29
